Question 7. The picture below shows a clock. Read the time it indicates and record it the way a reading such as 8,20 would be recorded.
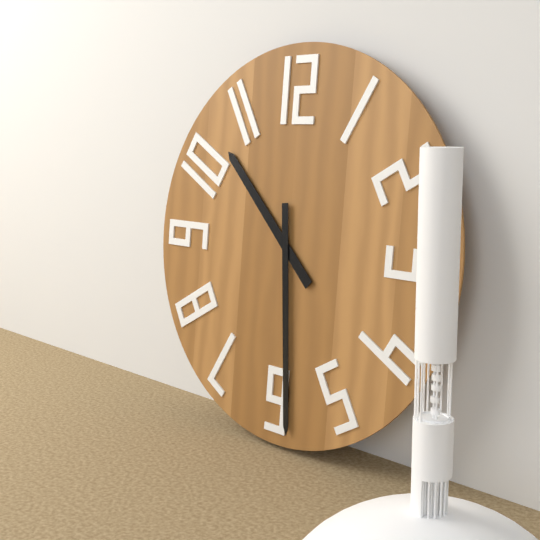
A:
10,29
